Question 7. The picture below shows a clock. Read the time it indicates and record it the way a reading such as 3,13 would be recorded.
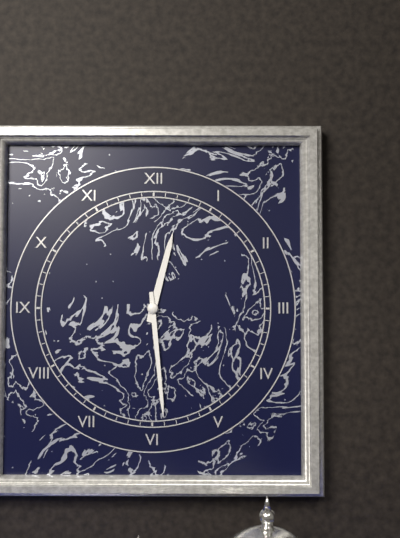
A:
12,29
